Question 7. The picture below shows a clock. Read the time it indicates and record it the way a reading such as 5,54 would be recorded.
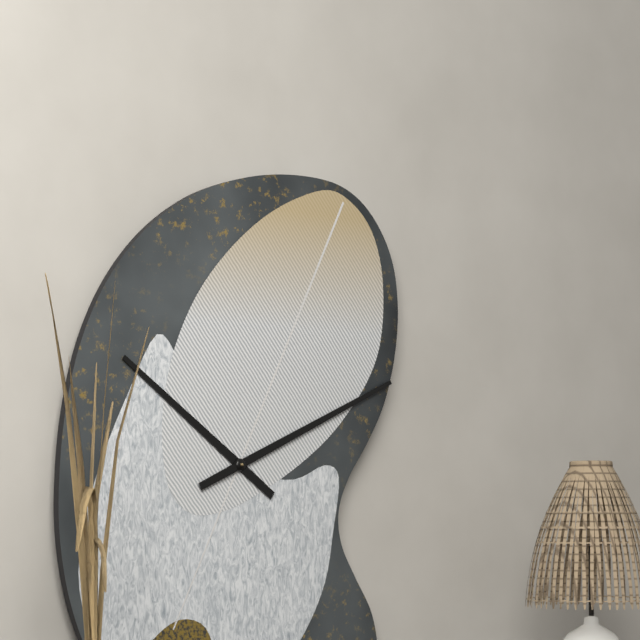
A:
10,11
